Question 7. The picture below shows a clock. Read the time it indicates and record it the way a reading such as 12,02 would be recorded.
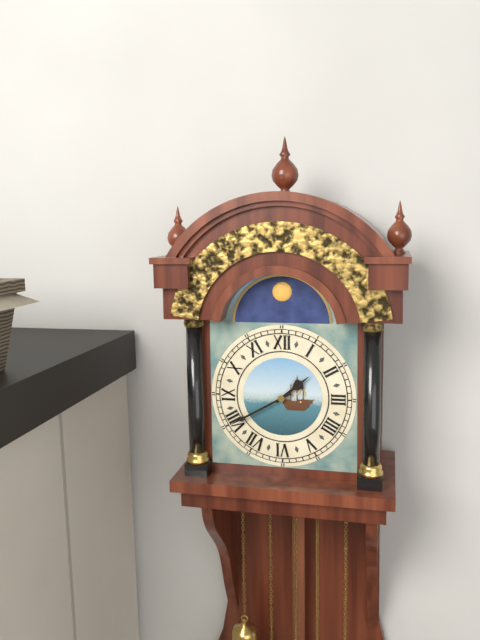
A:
1,40
